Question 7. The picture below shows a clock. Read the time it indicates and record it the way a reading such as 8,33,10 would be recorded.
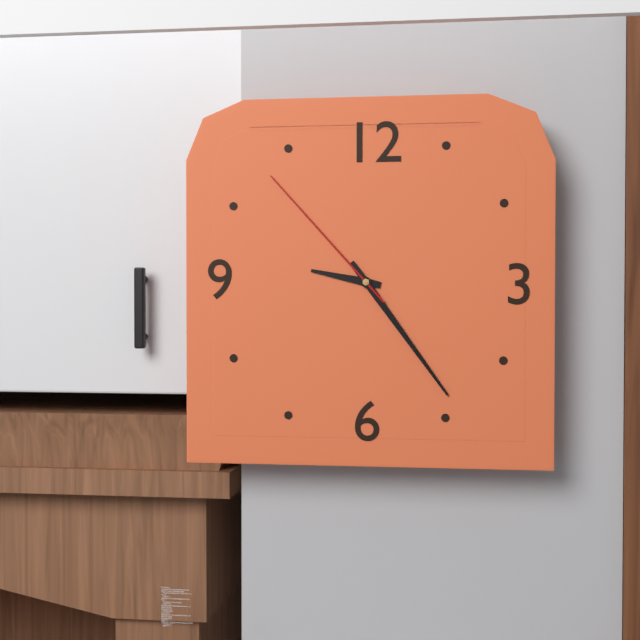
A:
9,24,53
